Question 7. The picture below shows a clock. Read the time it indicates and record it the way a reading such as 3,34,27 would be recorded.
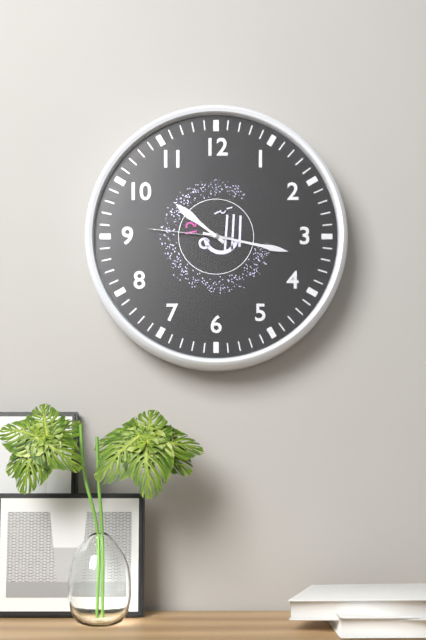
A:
10,17,46
